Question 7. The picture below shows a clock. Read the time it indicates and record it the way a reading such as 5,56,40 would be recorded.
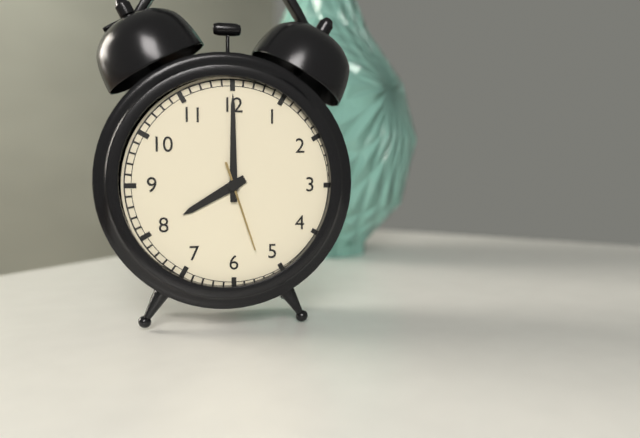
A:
8,00,27
